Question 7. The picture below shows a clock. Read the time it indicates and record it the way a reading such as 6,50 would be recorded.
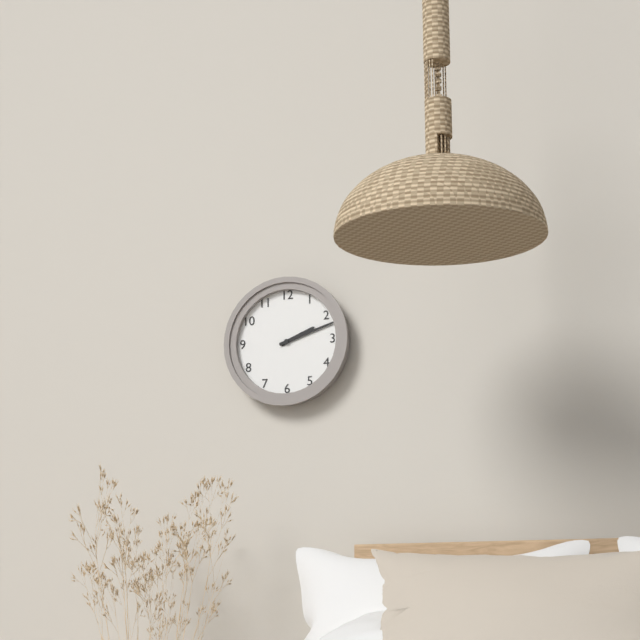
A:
2,12
